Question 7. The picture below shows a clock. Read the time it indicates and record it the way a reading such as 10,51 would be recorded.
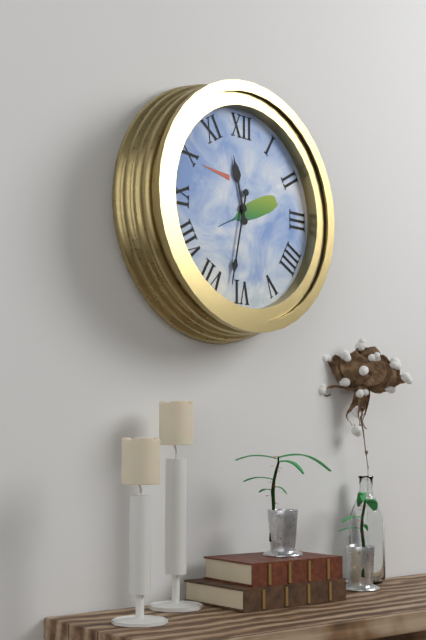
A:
11,32
